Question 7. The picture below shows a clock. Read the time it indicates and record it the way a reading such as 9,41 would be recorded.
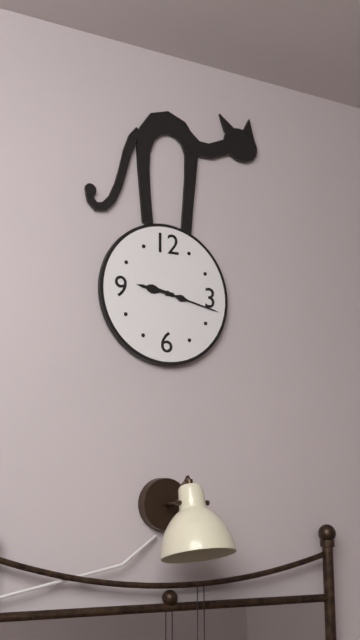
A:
9,17
